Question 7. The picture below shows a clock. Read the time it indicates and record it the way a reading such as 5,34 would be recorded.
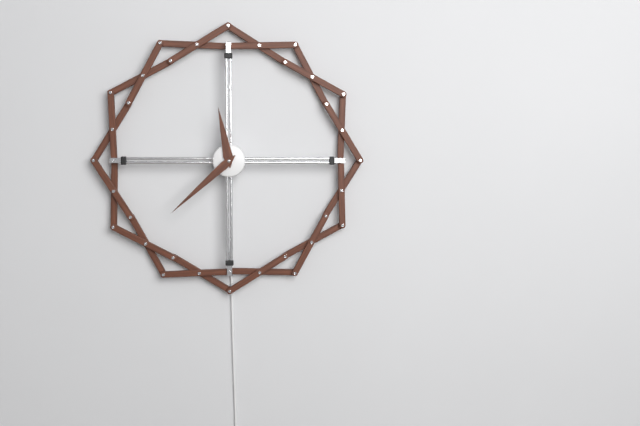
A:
11,38
